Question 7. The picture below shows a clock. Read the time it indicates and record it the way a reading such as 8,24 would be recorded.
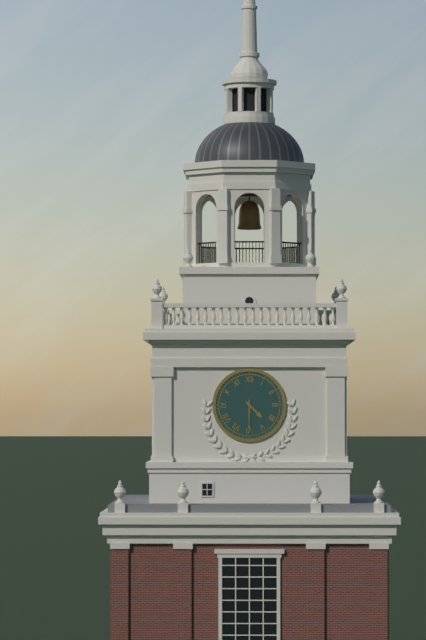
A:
4,30
